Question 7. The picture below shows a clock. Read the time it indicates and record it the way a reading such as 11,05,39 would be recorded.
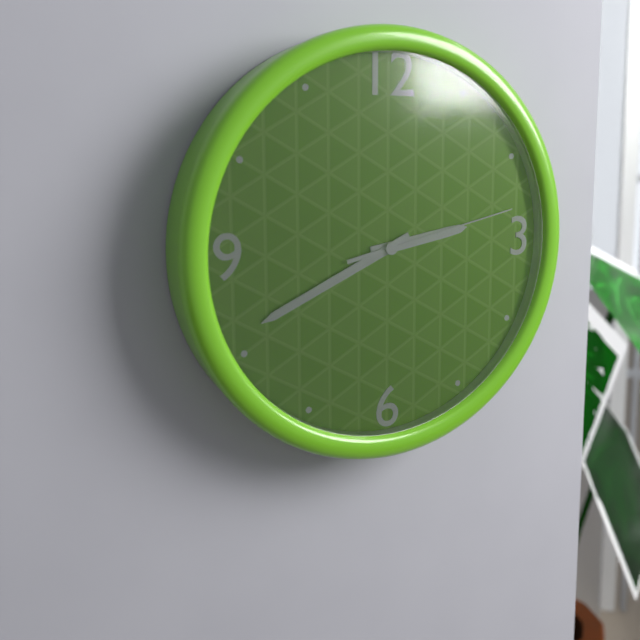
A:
2,41,13
